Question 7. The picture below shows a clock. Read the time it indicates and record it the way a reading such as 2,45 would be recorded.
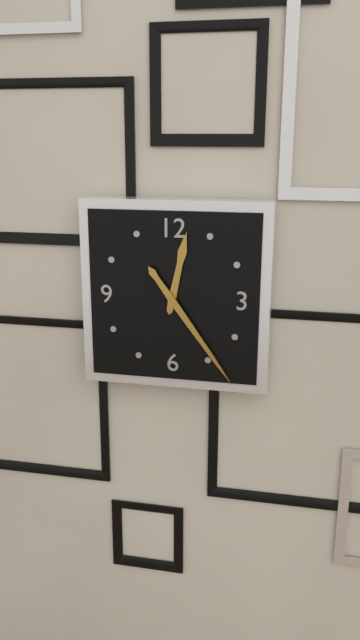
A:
12,24
